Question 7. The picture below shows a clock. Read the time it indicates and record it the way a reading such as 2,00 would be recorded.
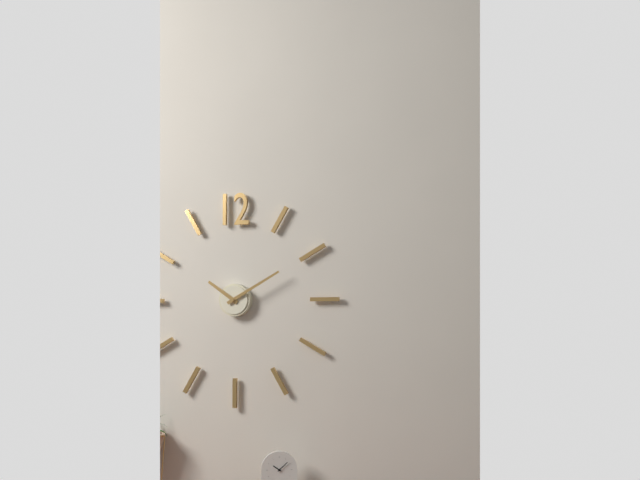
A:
10,10
